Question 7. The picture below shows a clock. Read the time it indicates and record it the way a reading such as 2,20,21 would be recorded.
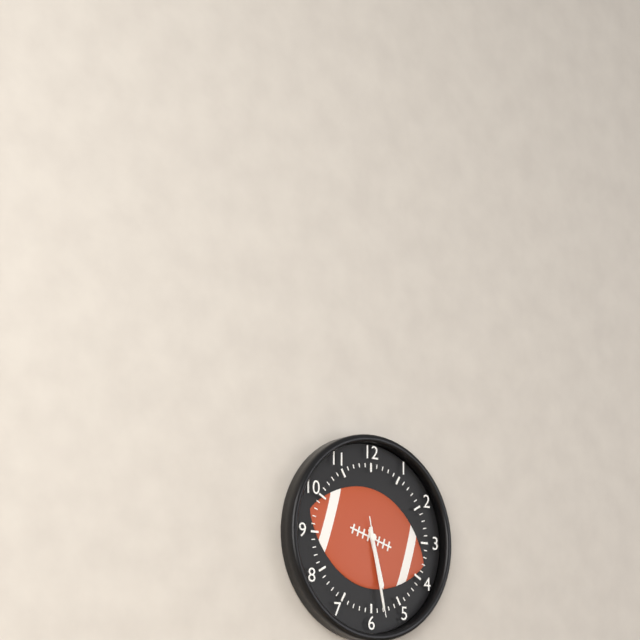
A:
5,28,28
